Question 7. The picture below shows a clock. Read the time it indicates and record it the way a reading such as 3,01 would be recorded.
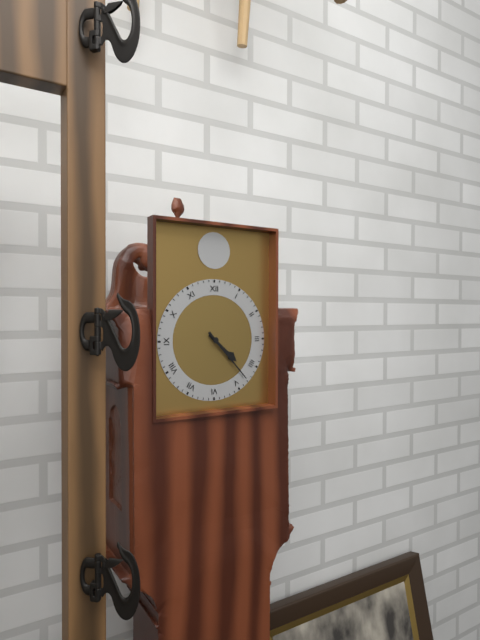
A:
4,23
